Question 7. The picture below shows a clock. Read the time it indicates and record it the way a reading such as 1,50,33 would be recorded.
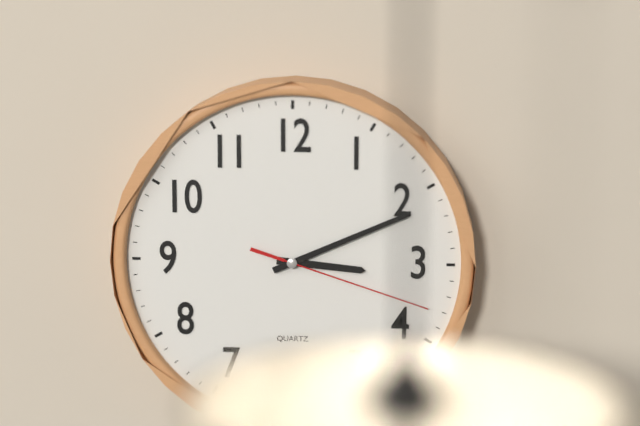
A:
3,11,18
